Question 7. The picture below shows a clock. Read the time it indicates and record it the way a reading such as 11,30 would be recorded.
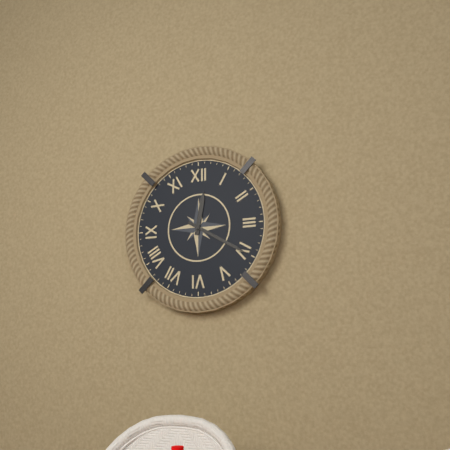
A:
12,20
